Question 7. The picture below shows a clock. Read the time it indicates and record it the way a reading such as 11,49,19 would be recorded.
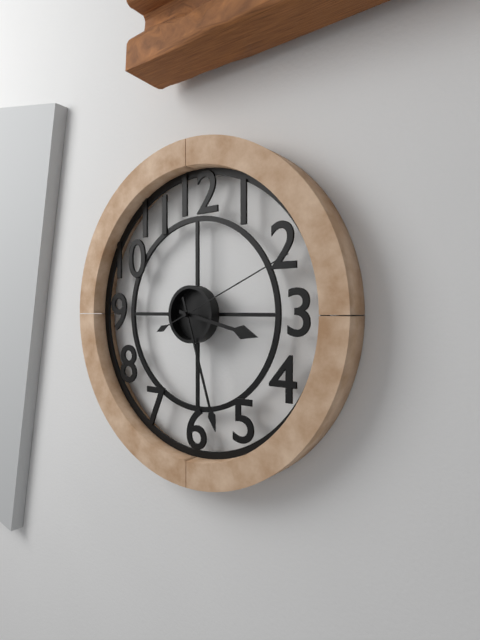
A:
3,27,11
